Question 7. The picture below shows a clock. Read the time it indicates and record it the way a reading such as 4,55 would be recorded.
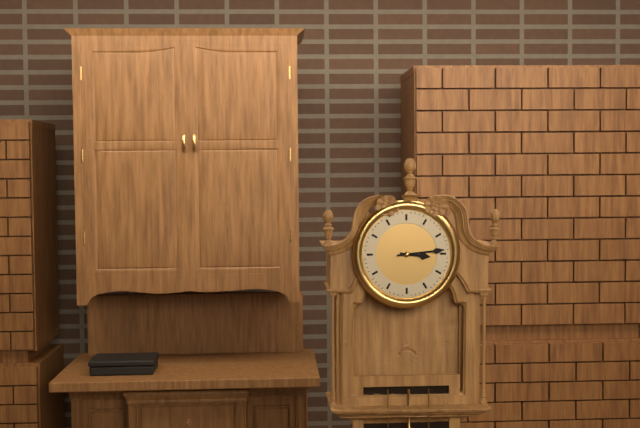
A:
3,14
